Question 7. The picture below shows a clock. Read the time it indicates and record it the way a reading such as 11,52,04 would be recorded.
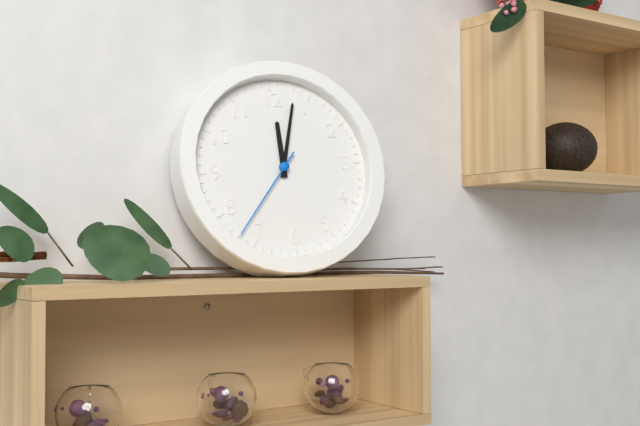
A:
12,03,37
